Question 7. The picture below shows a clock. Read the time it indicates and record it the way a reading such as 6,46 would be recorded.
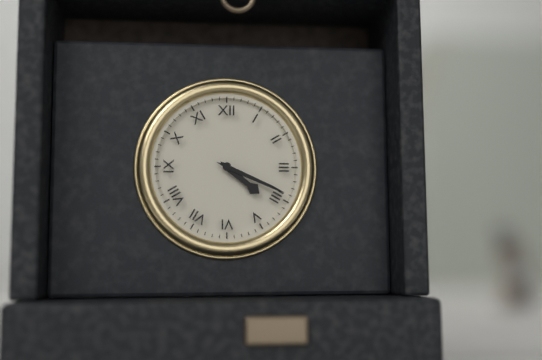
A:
4,19
